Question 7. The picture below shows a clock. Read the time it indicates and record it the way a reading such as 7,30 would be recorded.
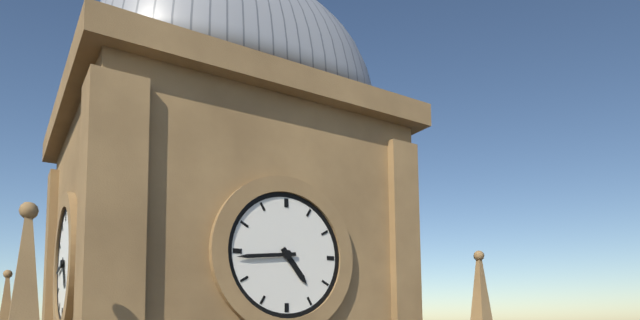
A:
4,44
